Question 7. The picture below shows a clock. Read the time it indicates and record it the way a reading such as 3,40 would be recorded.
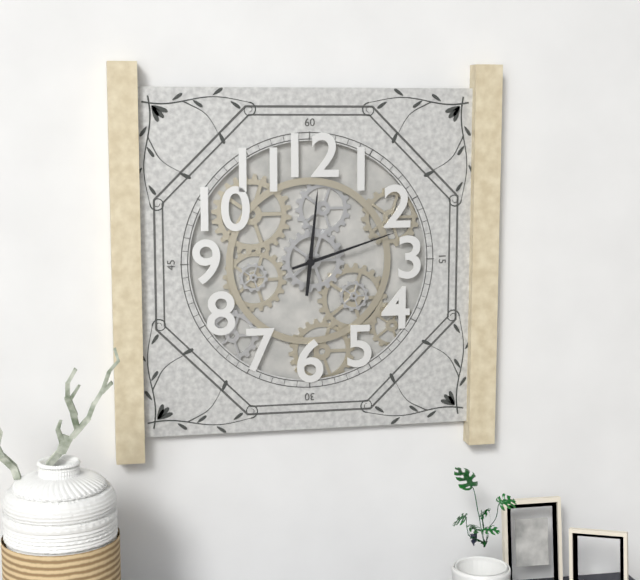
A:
12,12
